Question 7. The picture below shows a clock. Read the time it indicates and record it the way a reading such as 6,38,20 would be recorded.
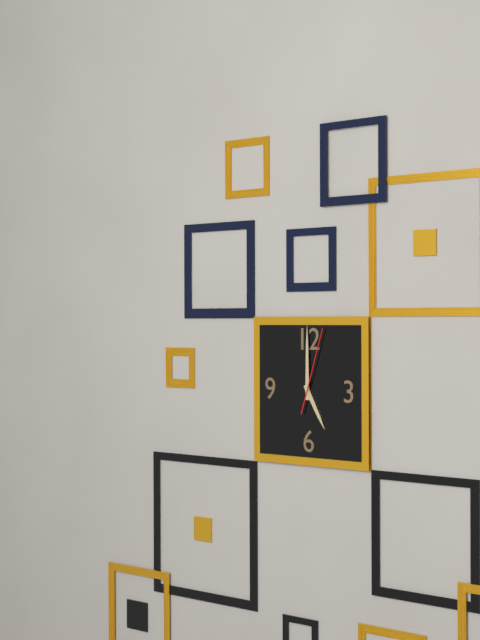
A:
5,00,03
